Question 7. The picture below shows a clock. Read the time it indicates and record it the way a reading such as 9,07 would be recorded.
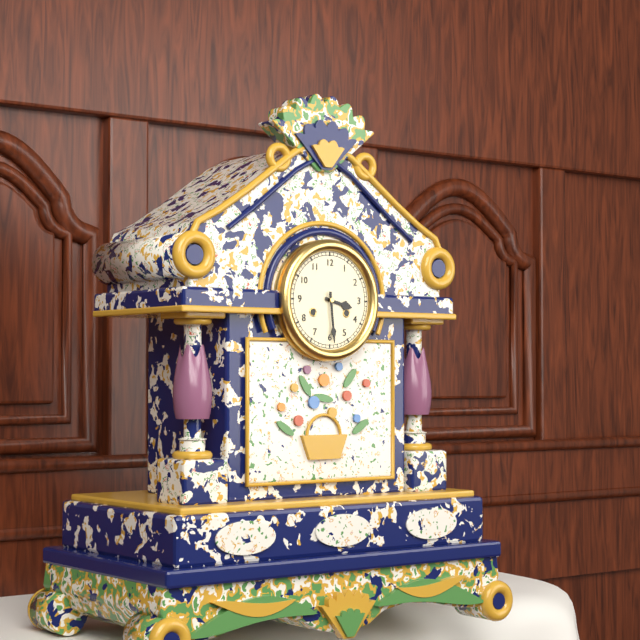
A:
3,29
